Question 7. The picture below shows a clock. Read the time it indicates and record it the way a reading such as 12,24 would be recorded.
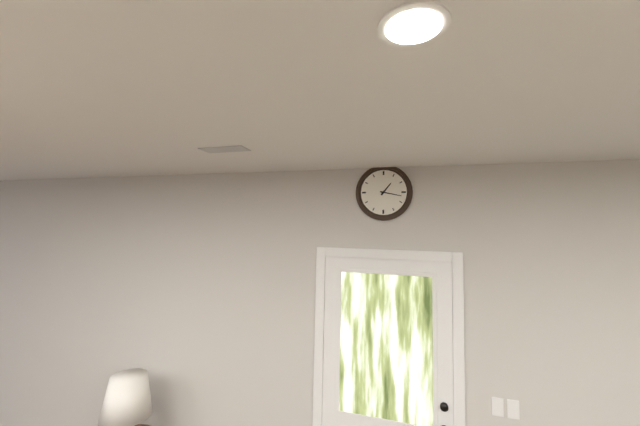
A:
1,17
